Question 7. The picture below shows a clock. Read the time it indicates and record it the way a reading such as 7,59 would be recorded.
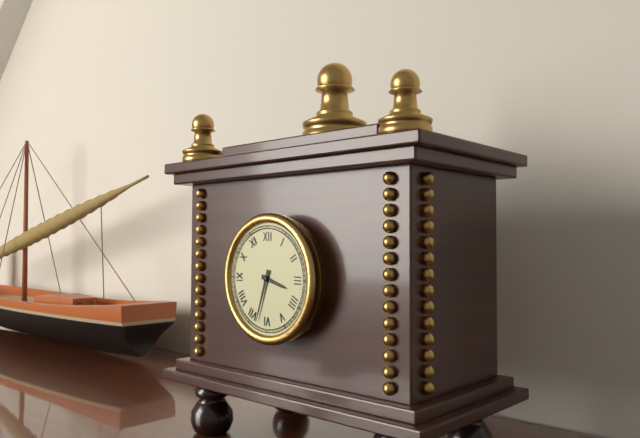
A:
3,33
